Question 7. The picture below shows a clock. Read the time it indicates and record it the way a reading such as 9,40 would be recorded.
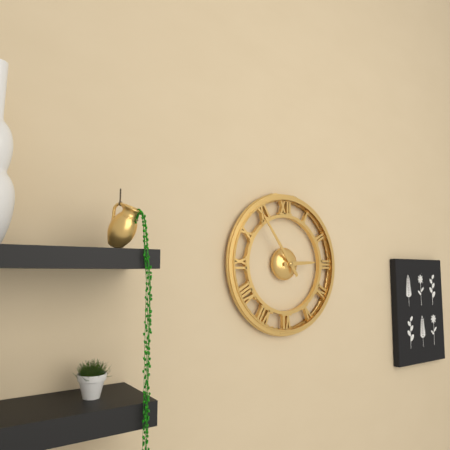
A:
2,54
